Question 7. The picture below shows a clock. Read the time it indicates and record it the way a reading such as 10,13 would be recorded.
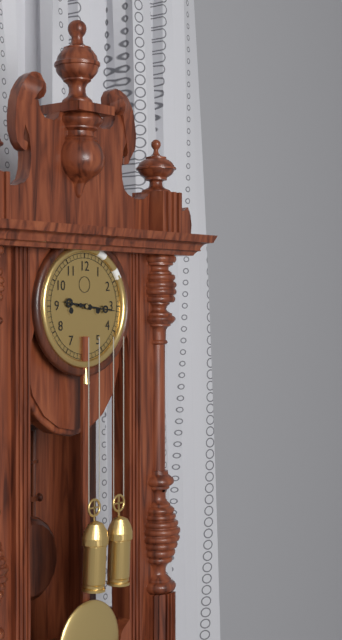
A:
9,16
